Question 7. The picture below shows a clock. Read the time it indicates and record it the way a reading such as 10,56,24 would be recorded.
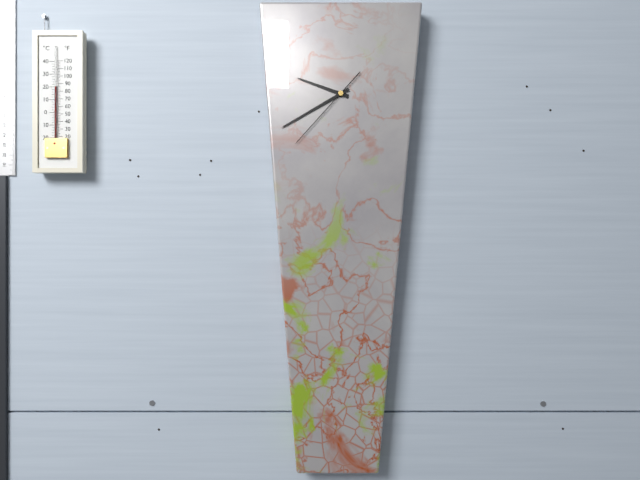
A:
9,40,37
